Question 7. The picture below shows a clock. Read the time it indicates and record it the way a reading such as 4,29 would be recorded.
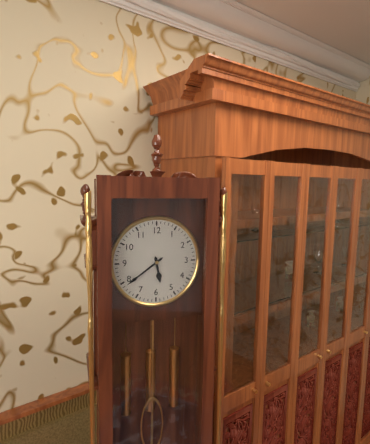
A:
5,39
